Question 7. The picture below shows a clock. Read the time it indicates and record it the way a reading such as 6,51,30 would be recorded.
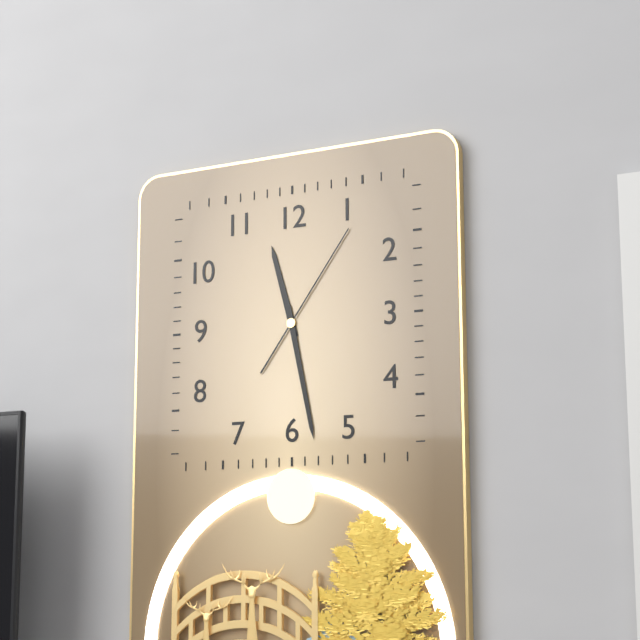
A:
11,28,06
